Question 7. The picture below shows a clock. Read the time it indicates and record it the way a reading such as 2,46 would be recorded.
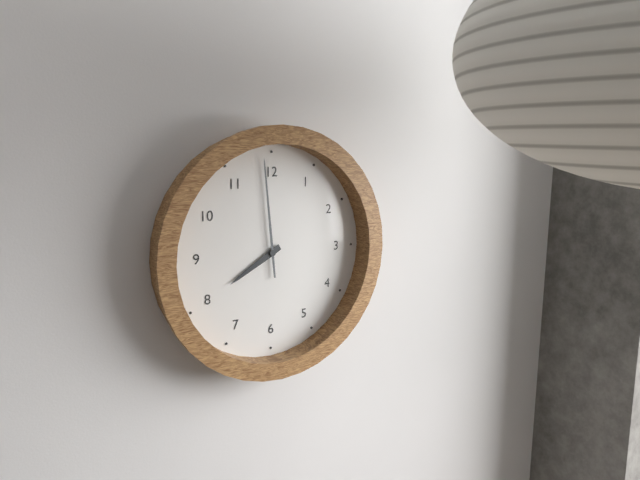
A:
7,59
